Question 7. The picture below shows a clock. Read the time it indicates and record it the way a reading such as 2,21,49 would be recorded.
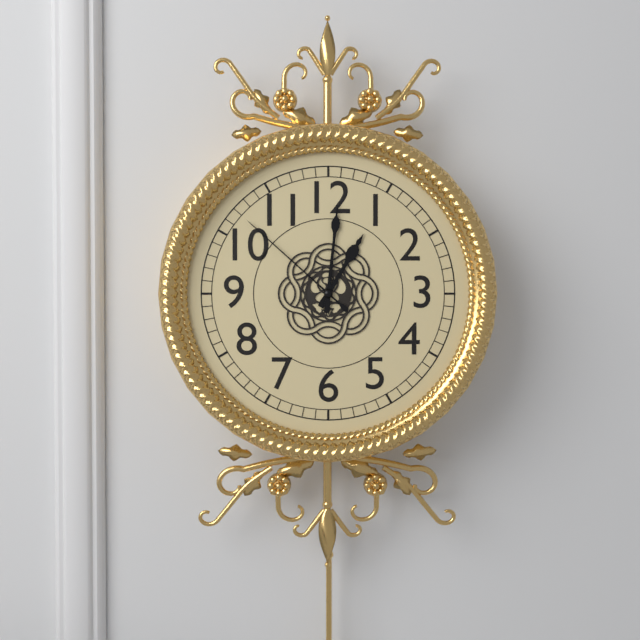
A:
1,01,52
